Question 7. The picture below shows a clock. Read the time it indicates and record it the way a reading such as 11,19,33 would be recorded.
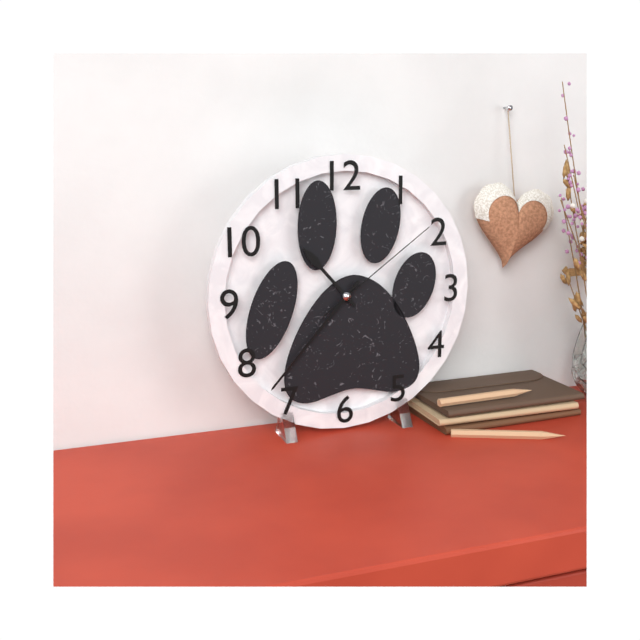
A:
10,37,09
